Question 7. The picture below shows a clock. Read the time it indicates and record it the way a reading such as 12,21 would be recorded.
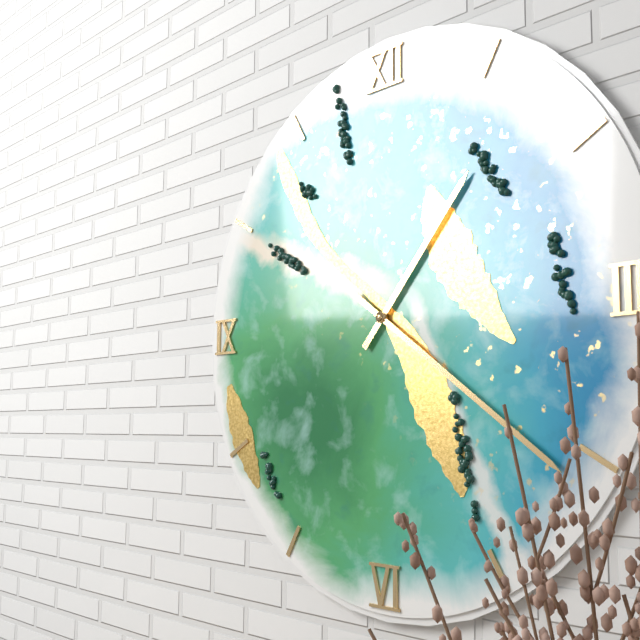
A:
1,21
